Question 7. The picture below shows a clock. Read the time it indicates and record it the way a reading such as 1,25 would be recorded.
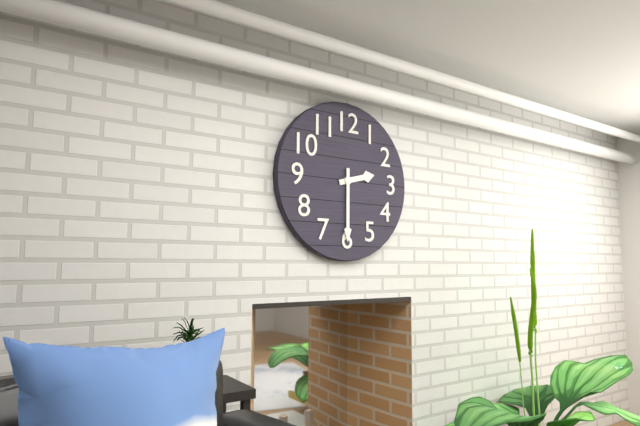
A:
2,30
